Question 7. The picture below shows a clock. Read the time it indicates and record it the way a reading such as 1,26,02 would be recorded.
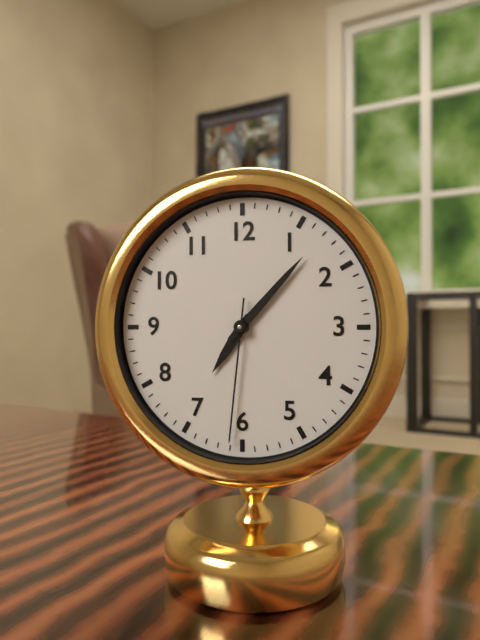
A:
7,07,31
